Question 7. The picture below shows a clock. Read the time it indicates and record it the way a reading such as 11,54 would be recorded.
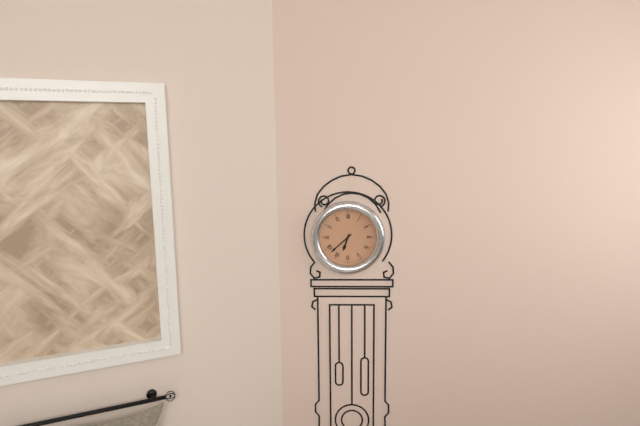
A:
6,38
